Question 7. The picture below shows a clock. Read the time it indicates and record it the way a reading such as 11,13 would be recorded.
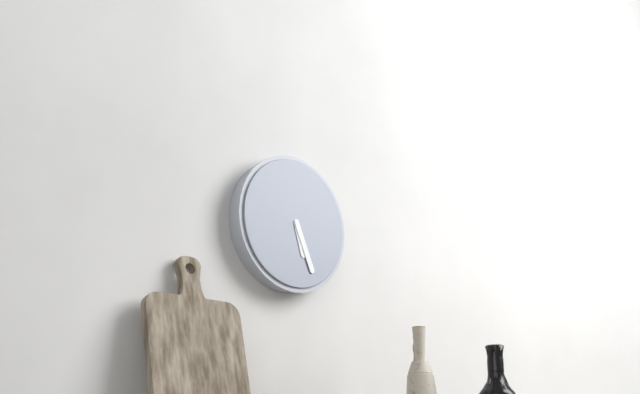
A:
5,26
